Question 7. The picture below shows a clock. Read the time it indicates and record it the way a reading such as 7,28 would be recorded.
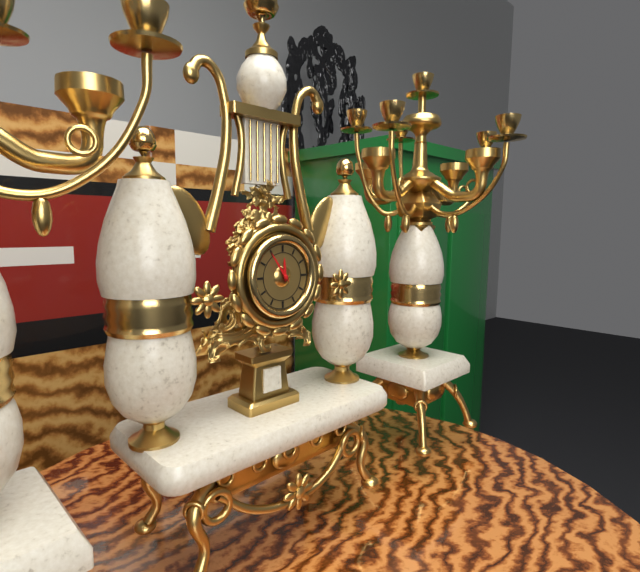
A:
11,54
